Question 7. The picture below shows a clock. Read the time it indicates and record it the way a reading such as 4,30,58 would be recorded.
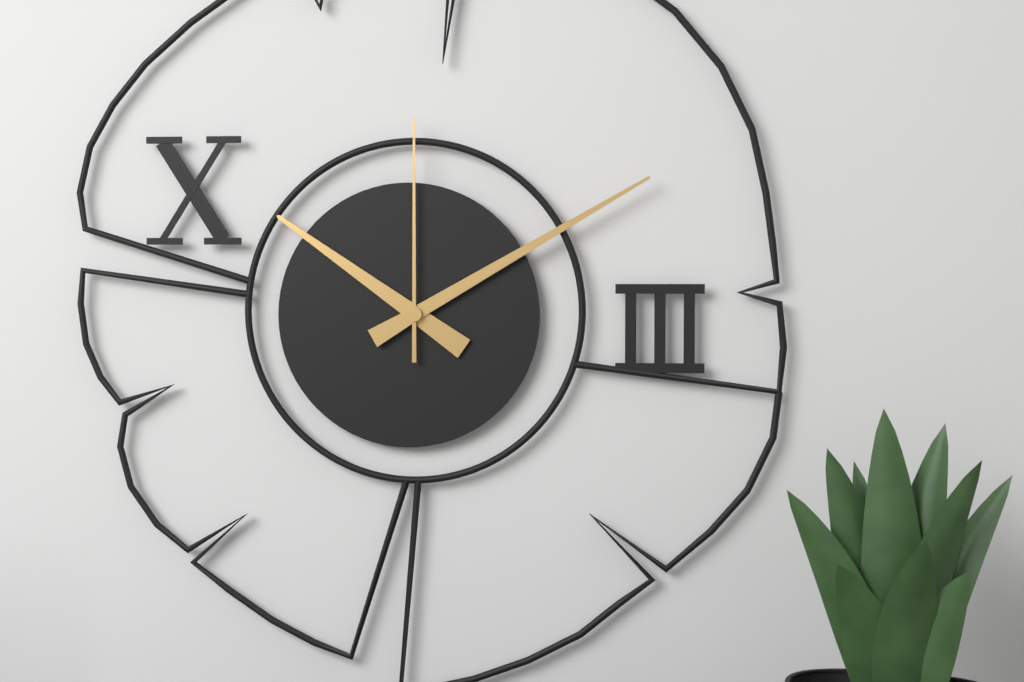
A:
10,10,00
